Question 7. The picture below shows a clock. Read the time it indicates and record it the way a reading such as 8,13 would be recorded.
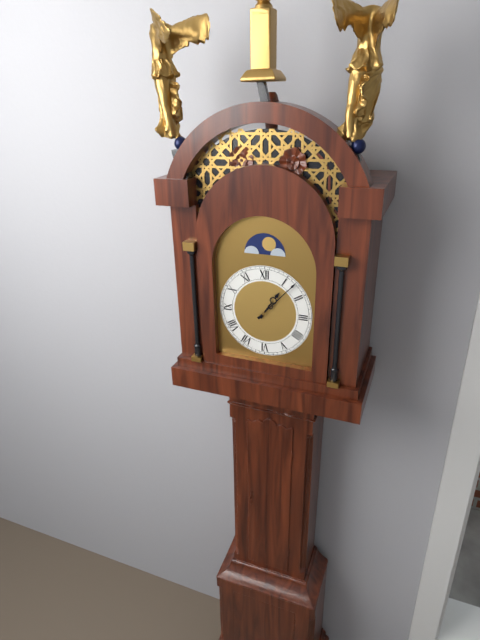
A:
1,07
